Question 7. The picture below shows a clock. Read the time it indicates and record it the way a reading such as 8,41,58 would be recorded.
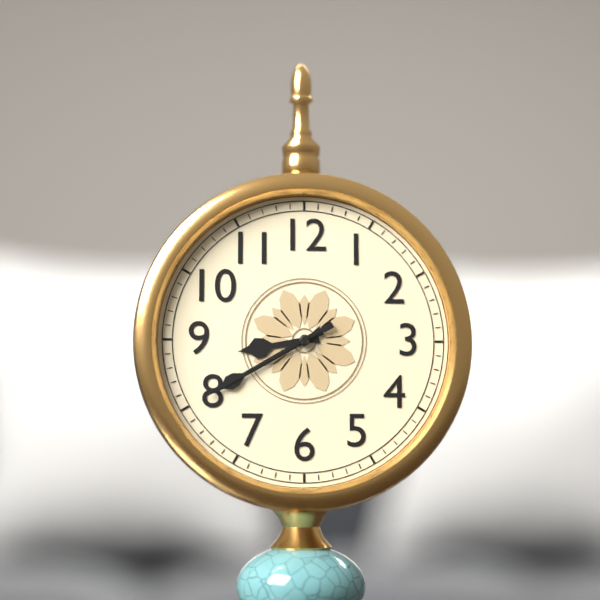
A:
8,40,40
